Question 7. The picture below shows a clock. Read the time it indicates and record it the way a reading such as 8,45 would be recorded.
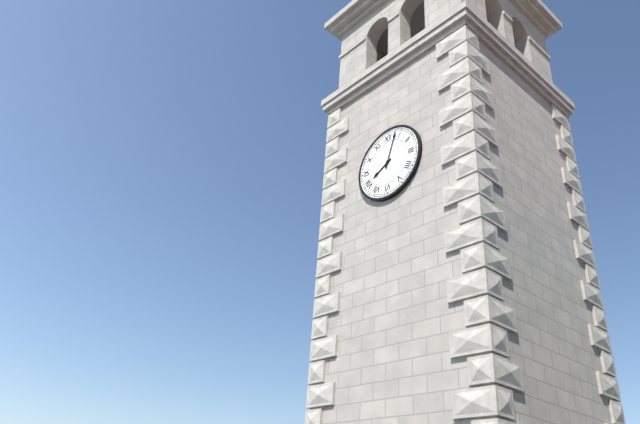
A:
8,03
